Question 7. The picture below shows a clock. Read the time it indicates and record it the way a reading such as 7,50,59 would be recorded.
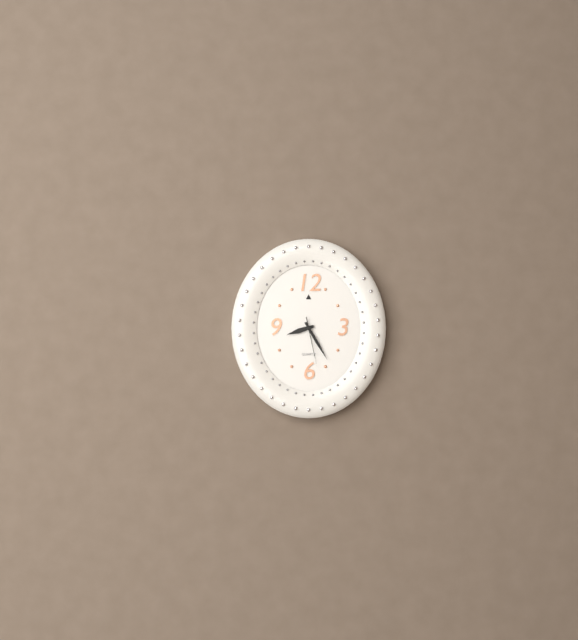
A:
8,25,28
